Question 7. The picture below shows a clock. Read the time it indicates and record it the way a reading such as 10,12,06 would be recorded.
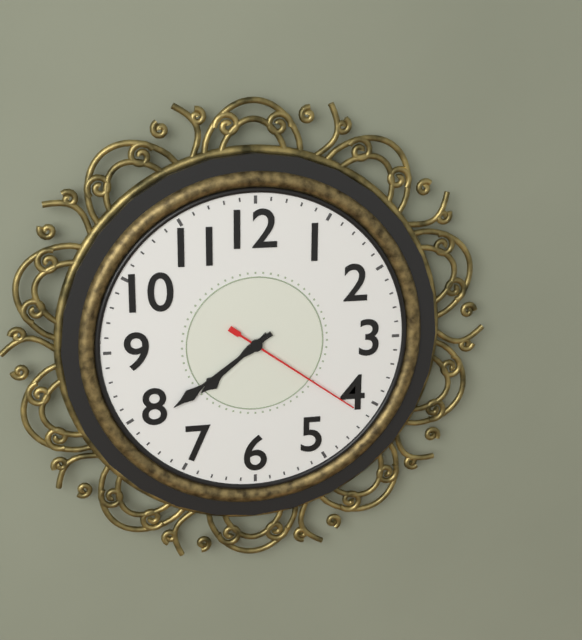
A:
7,39,21
